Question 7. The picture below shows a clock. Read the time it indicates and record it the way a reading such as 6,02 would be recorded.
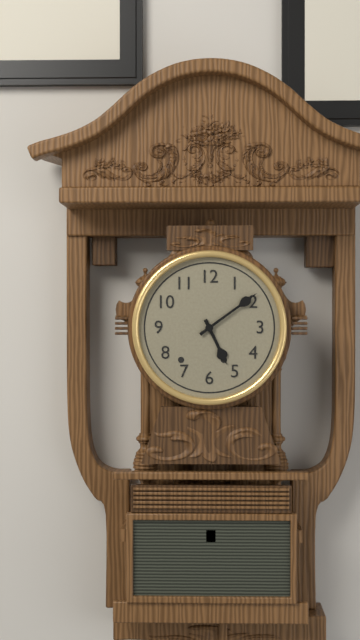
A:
5,09
